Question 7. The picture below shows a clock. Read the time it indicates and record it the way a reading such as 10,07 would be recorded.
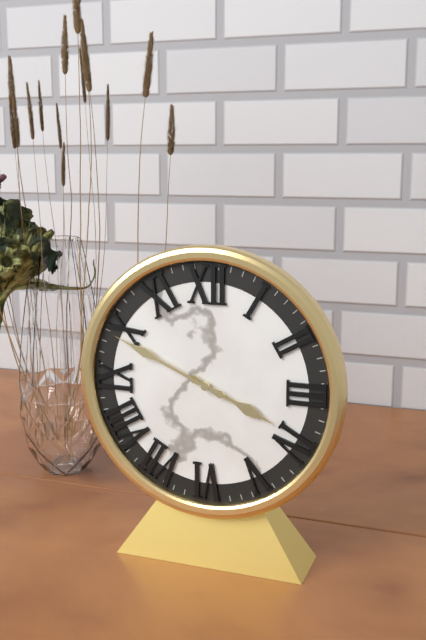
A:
3,49
